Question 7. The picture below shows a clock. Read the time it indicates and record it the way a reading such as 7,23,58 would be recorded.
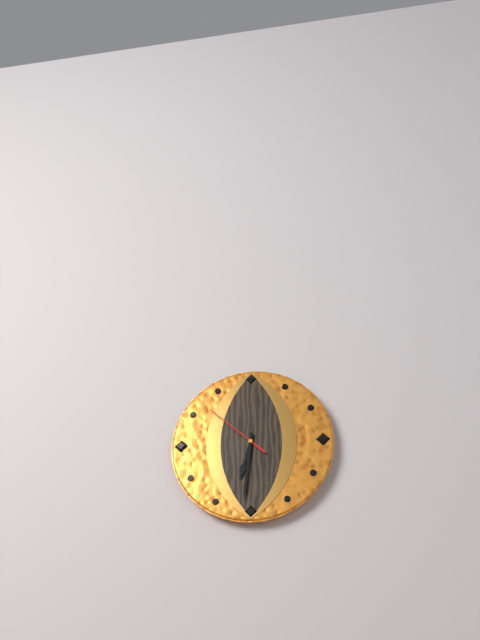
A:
6,31,52
